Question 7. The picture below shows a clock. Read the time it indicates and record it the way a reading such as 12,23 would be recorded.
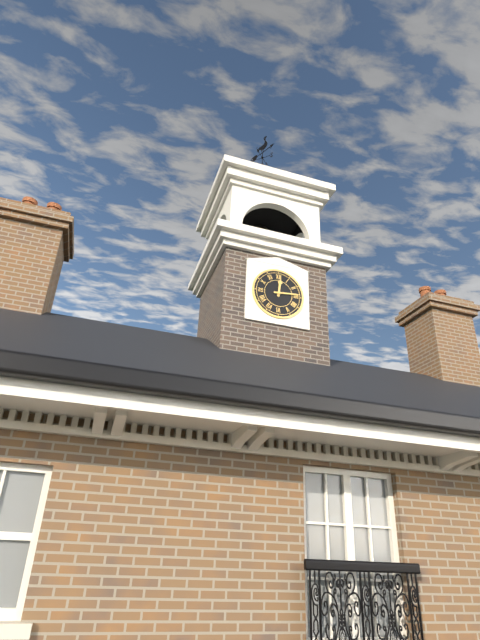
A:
12,14
